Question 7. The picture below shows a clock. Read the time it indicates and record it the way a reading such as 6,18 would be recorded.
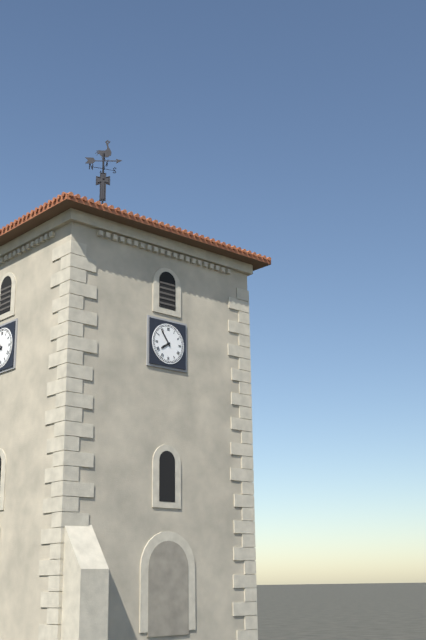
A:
7,54
